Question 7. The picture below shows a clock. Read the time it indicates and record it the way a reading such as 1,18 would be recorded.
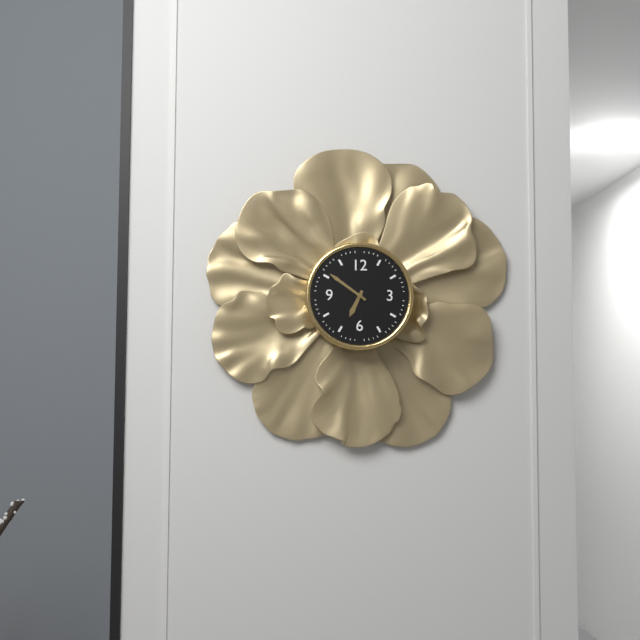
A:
6,51
